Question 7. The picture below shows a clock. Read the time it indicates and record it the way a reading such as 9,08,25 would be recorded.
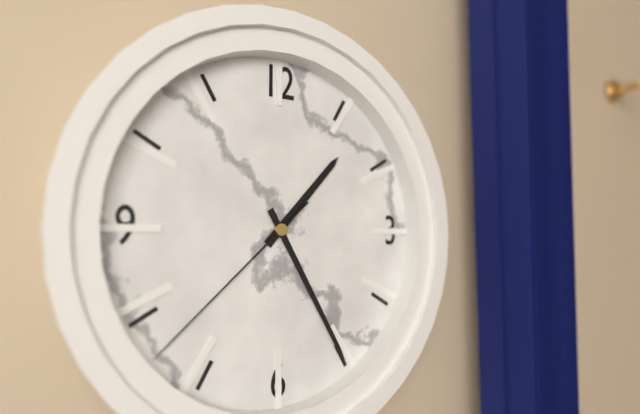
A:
1,25,38
